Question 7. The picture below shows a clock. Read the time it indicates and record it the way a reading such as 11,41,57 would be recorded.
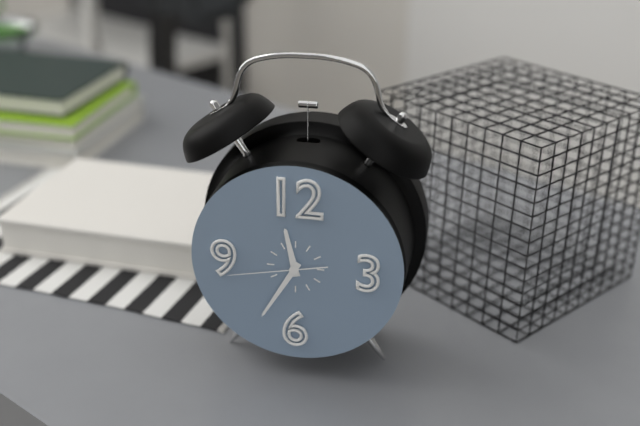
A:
11,35,43
